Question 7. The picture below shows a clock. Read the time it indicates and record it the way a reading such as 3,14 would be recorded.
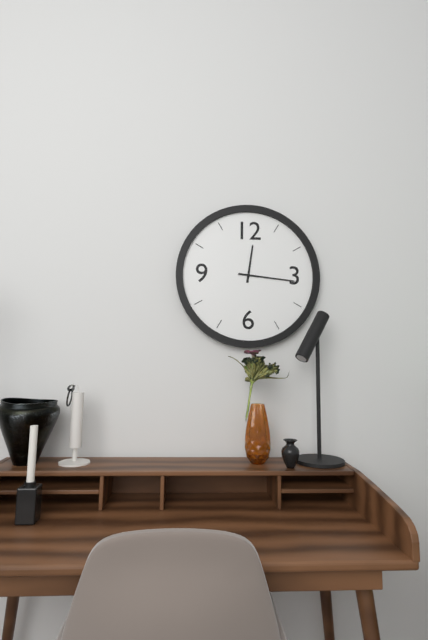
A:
12,16
